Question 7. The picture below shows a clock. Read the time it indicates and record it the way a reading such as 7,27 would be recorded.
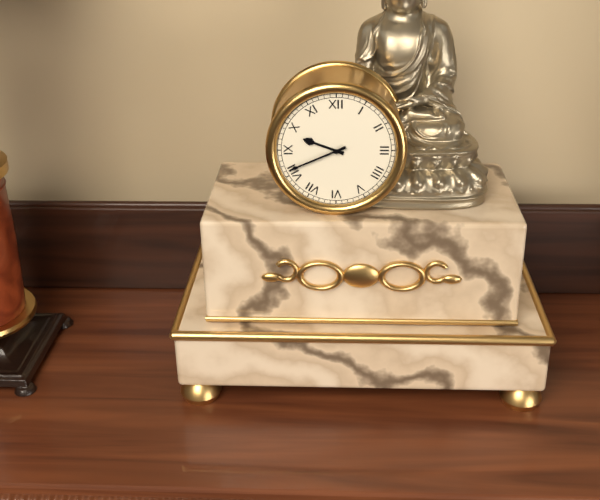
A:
9,41
